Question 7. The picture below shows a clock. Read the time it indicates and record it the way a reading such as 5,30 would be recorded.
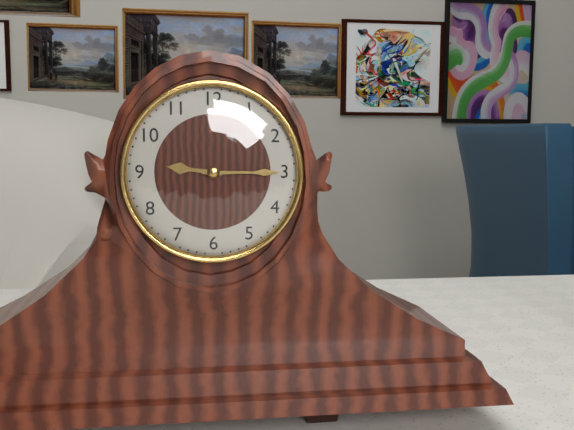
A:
9,15
